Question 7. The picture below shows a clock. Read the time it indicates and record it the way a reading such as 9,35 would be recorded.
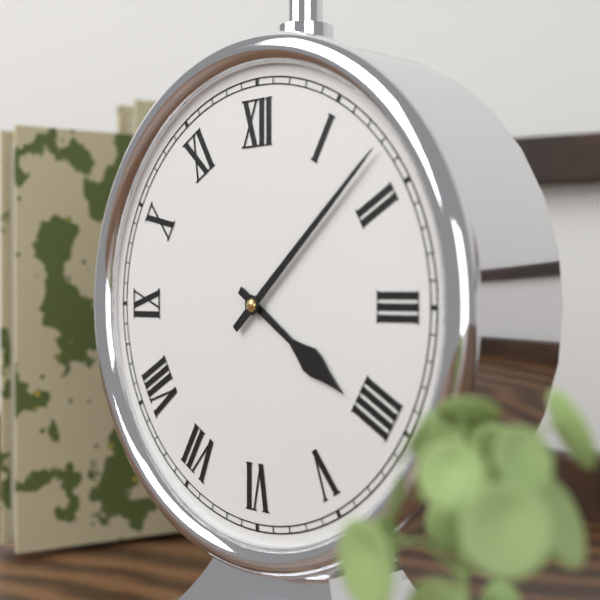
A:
4,08
